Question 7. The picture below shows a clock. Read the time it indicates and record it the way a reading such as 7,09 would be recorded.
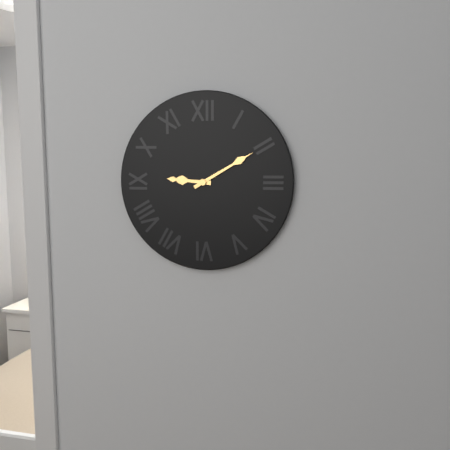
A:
9,10
